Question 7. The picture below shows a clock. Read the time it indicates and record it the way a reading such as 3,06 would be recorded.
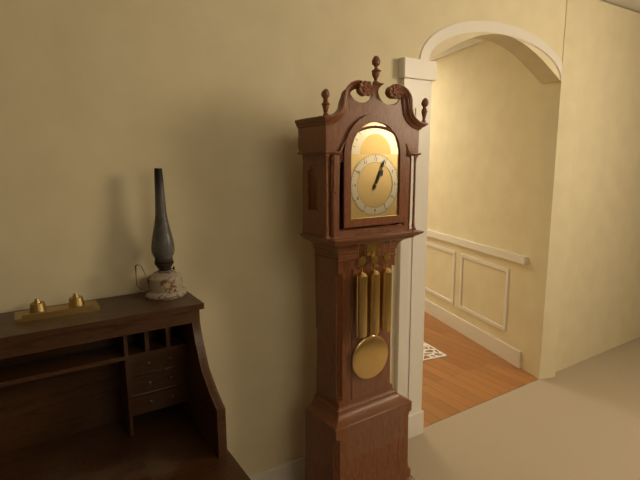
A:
1,04
